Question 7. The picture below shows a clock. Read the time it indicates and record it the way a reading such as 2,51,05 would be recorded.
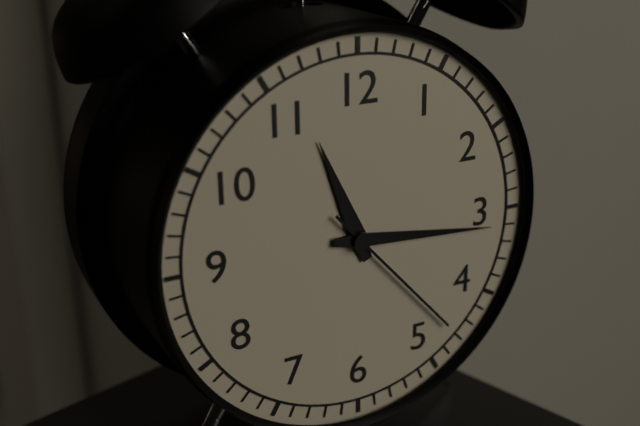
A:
11,16,23
